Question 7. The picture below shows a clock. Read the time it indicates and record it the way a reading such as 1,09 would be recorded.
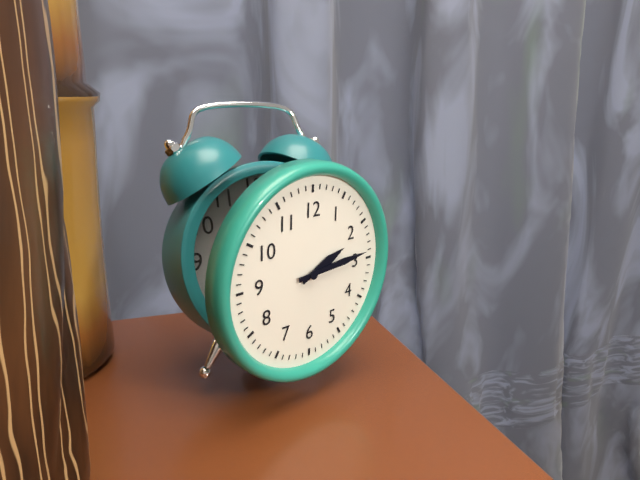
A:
2,14
